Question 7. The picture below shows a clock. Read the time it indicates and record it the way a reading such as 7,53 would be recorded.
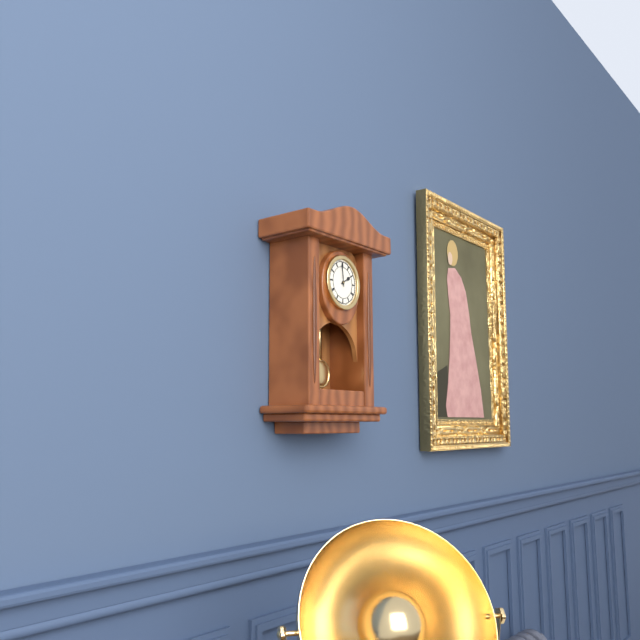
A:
1,59
